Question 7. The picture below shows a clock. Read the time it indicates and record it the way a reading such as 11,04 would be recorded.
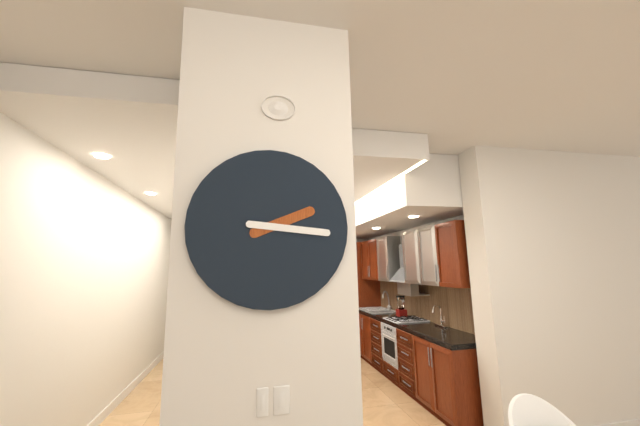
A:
2,16
